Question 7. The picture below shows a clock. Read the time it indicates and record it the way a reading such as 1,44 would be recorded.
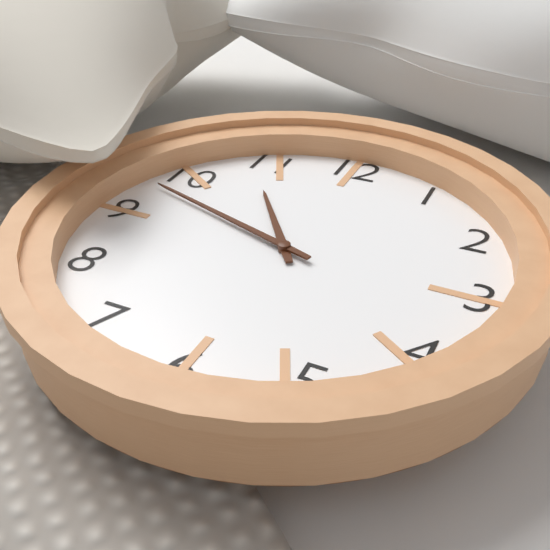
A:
10,48
